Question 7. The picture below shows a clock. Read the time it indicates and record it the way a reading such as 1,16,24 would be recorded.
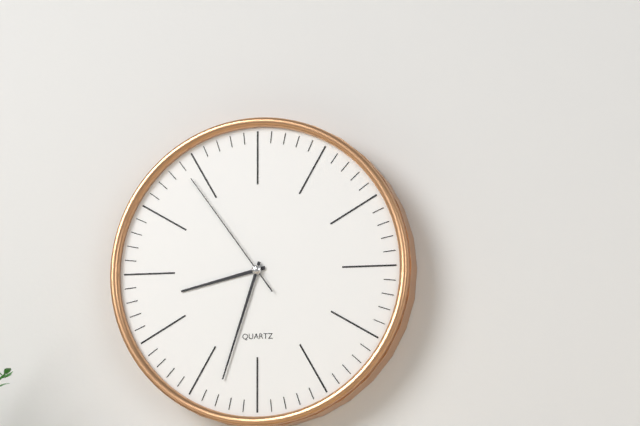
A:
8,33,54
